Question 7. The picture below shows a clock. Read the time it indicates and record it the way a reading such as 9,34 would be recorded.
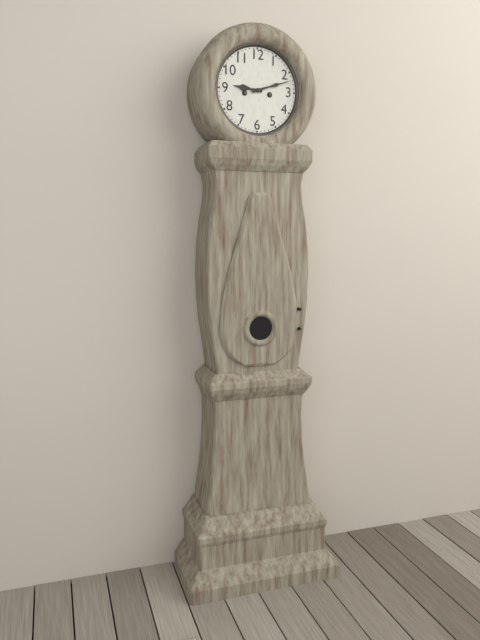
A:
9,12
